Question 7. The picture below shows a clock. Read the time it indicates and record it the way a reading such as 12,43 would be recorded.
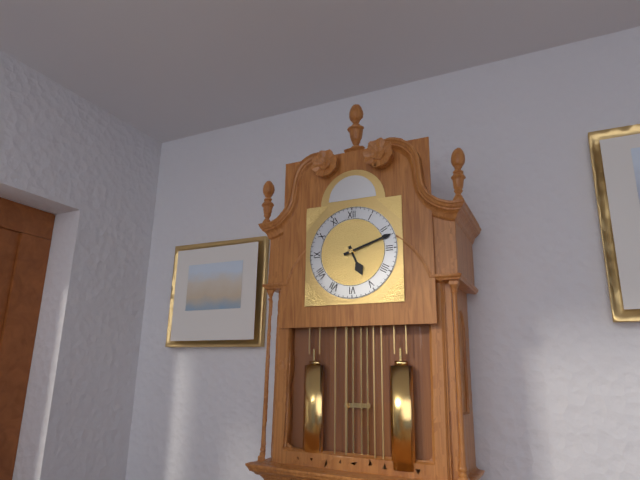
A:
5,12
